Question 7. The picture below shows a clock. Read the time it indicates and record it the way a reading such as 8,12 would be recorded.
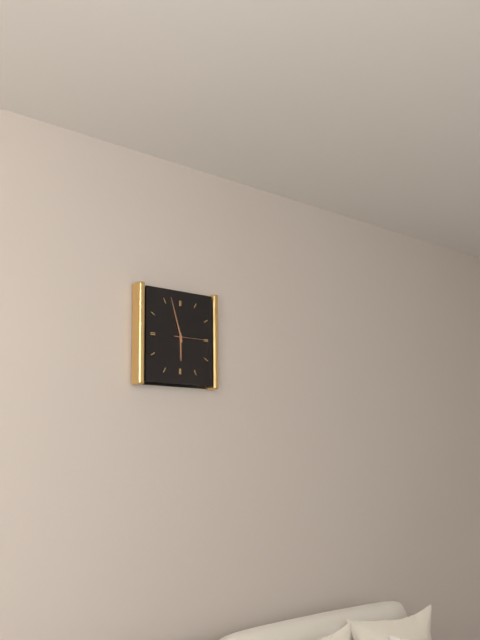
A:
5,57
